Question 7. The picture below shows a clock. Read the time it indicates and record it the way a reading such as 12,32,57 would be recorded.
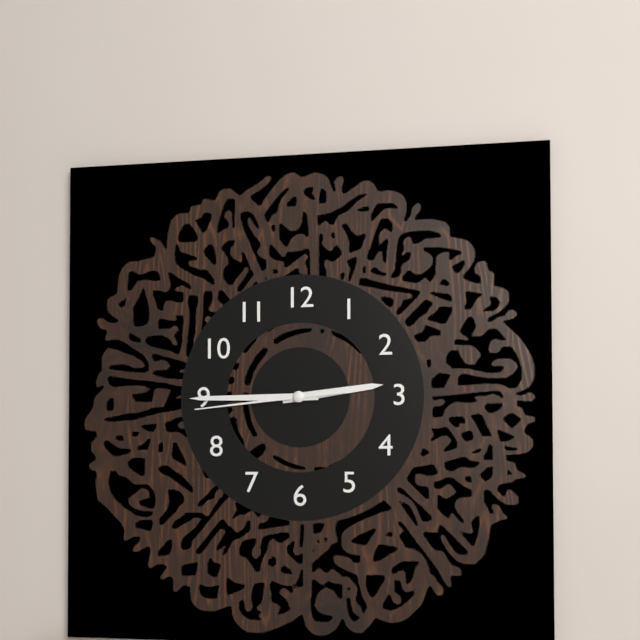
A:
2,45,44
